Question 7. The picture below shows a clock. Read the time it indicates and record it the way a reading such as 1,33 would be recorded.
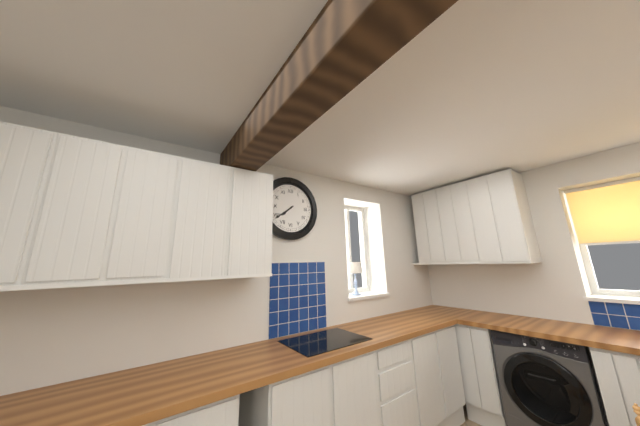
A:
7,39
